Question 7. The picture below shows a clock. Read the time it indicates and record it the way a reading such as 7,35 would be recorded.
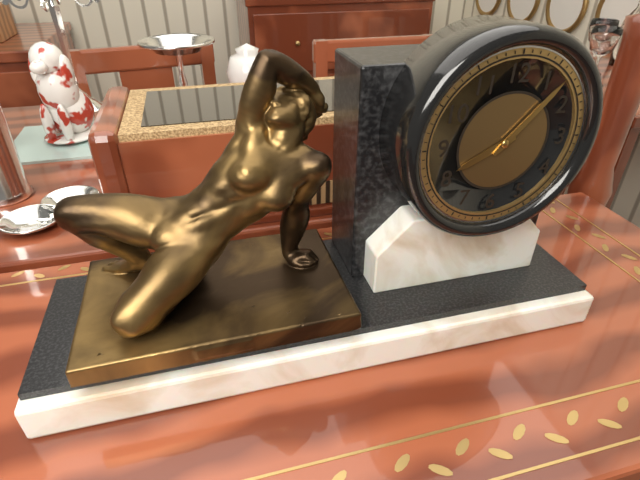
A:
8,07
